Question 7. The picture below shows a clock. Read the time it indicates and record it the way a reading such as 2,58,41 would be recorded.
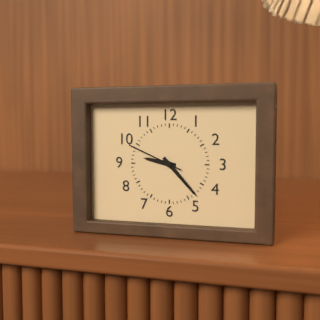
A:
9,23,49
